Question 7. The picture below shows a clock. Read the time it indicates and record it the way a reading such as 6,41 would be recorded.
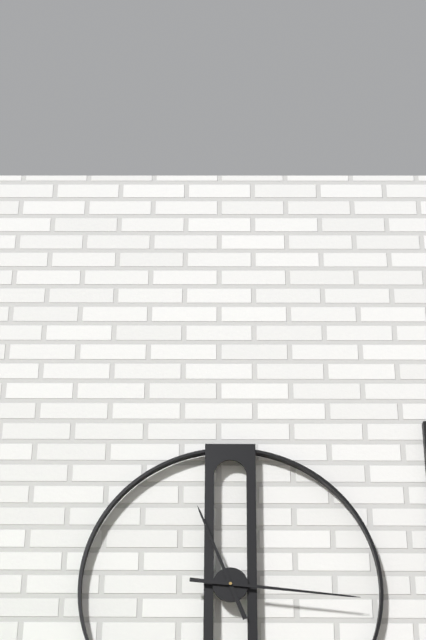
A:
11,16
